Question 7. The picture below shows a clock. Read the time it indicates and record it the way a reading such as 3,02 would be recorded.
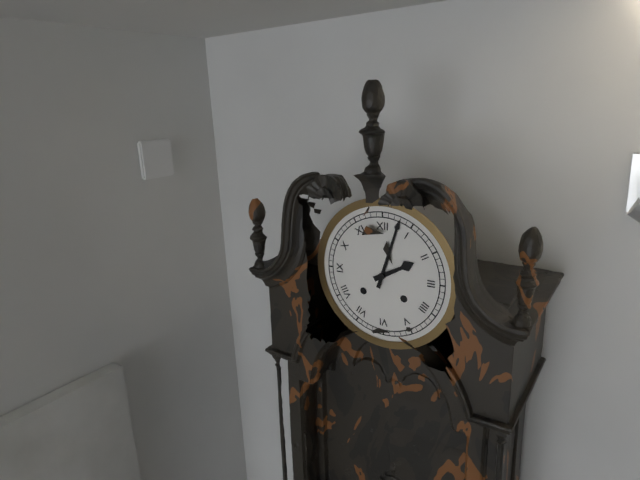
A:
2,03
